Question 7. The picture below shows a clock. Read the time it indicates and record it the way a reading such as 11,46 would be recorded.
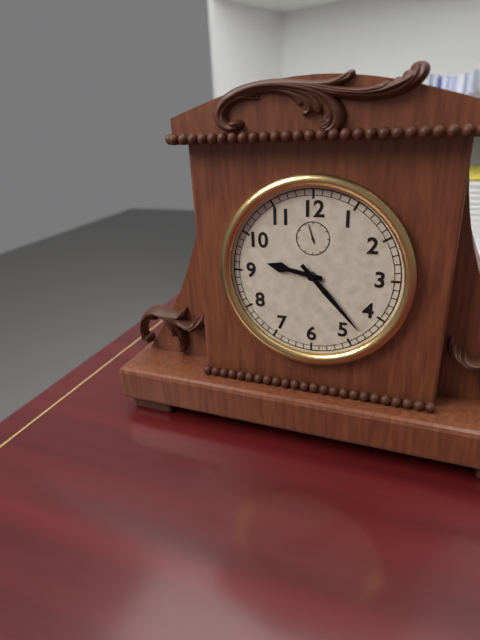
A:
9,23
